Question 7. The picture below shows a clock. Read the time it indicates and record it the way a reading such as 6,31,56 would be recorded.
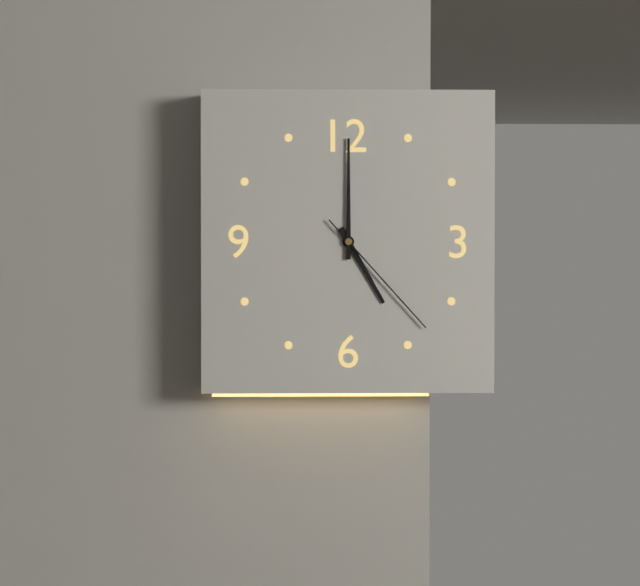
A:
5,00,23
